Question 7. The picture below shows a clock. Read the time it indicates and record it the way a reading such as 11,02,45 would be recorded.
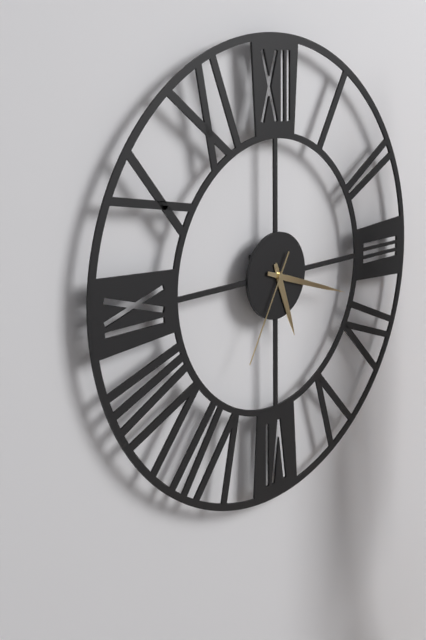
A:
5,18,35
